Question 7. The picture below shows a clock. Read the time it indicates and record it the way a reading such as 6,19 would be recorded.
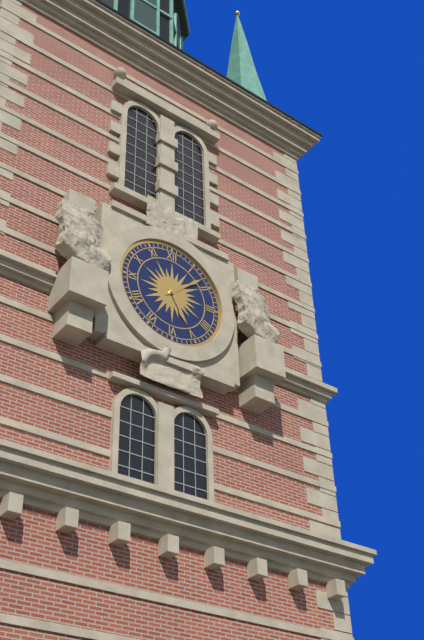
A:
5,08
